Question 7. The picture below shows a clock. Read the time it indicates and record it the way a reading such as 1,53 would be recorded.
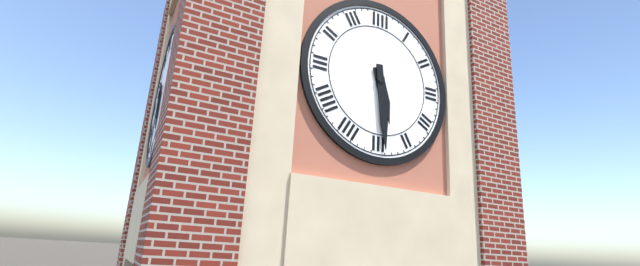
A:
5,29
